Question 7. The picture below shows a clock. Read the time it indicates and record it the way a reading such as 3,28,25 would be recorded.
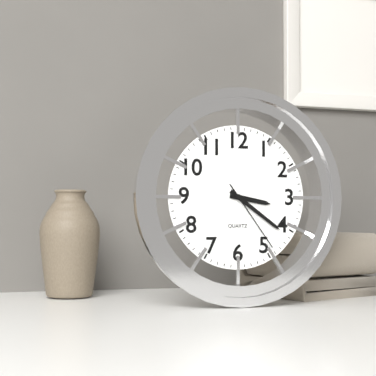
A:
3,21,24
